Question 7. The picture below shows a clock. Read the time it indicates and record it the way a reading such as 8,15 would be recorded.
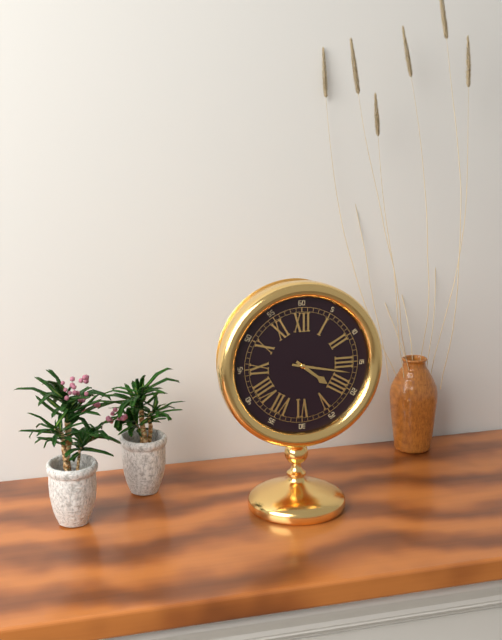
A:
4,17
